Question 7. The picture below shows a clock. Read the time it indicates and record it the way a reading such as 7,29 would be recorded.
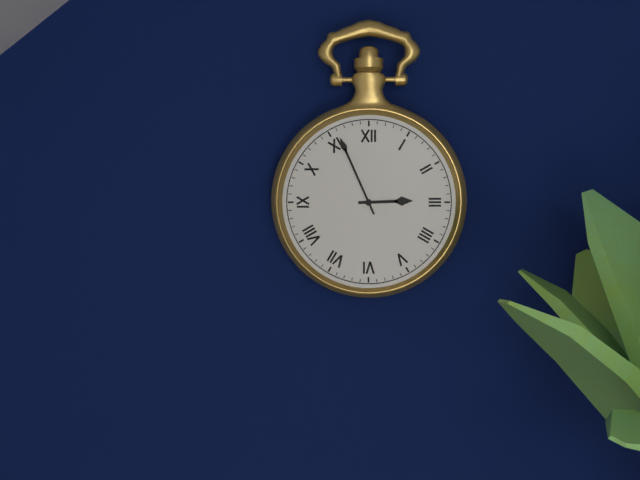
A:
2,56
